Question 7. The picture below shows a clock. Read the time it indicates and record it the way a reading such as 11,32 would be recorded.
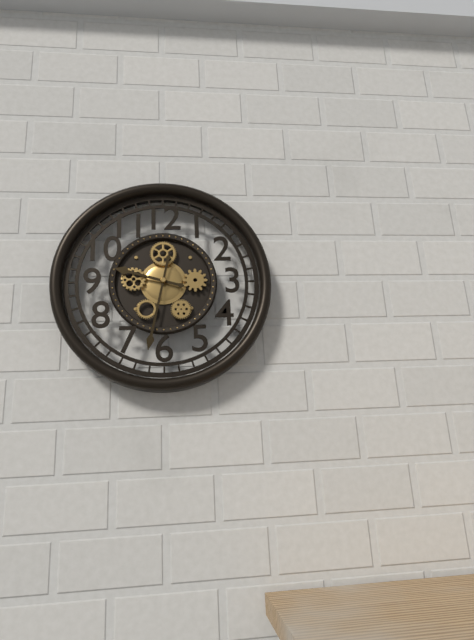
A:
9,32
